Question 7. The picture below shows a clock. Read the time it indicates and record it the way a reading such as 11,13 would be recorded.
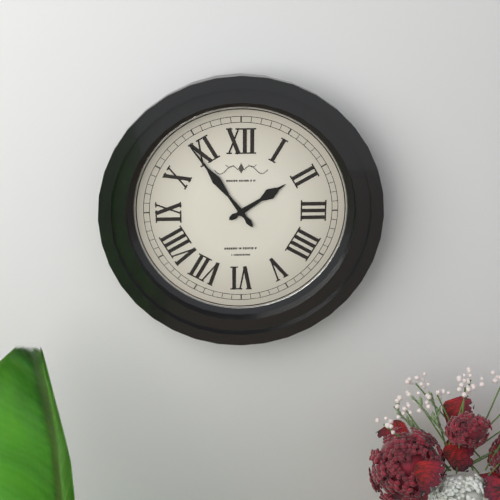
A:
1,54
